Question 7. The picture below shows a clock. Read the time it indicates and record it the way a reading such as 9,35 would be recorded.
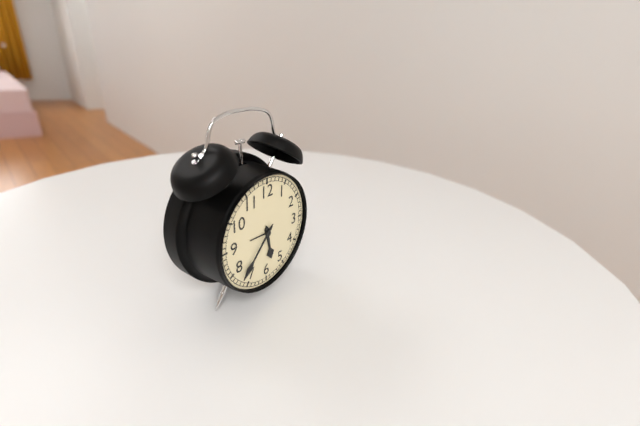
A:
5,37
